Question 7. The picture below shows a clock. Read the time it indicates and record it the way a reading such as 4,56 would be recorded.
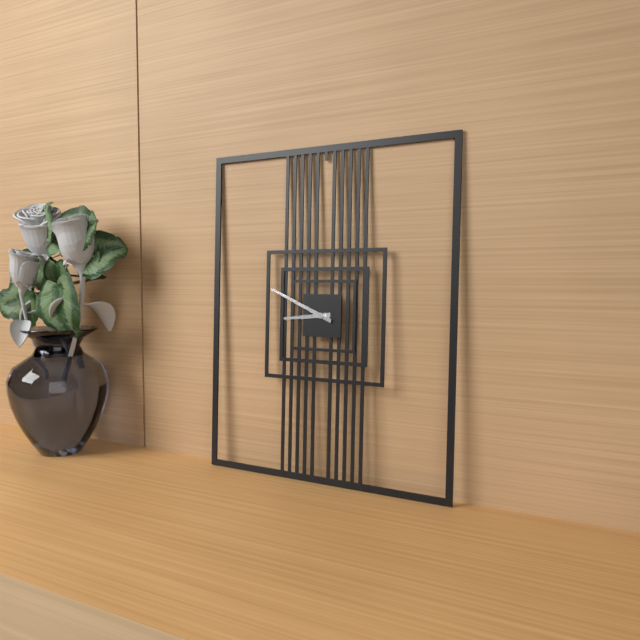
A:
8,49
